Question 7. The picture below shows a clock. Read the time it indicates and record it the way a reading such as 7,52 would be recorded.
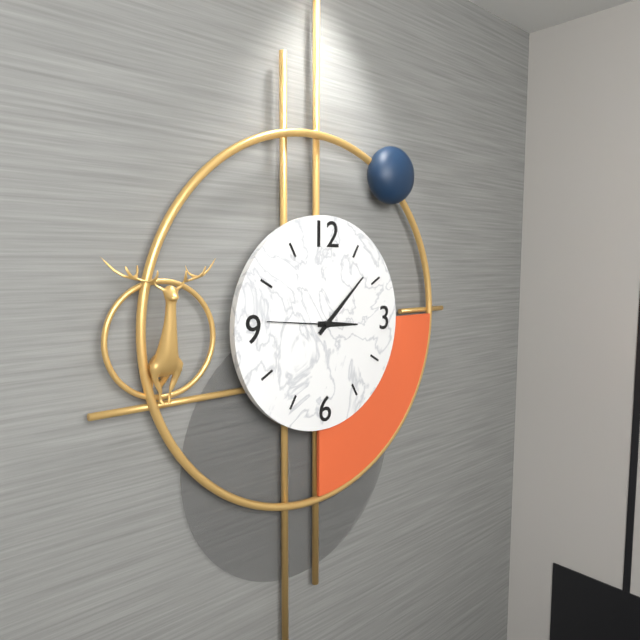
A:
3,08
